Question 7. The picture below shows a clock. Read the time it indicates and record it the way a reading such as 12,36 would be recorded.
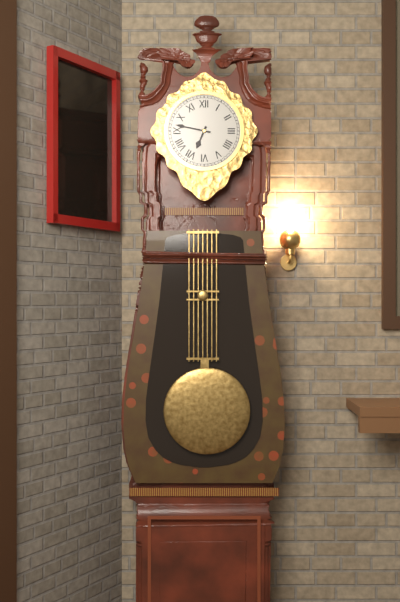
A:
6,47
